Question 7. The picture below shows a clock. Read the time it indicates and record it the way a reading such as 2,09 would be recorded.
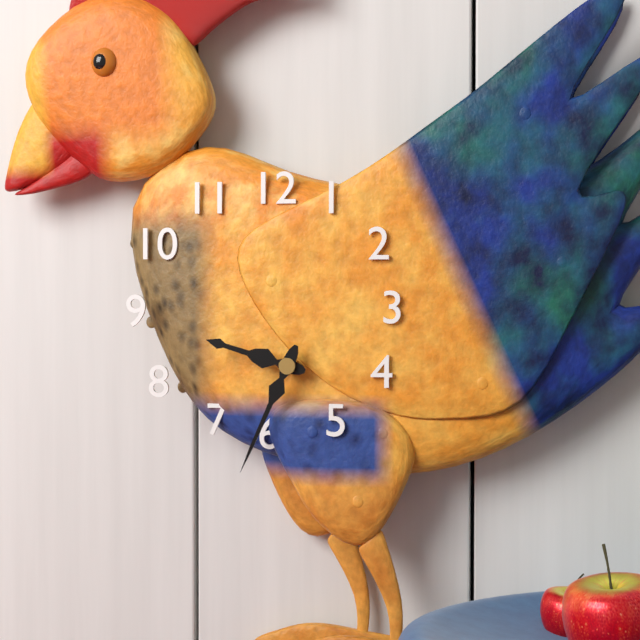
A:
9,34
